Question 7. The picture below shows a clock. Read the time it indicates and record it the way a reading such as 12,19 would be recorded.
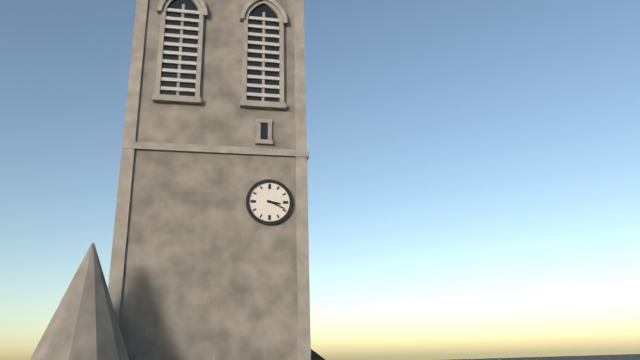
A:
3,19
